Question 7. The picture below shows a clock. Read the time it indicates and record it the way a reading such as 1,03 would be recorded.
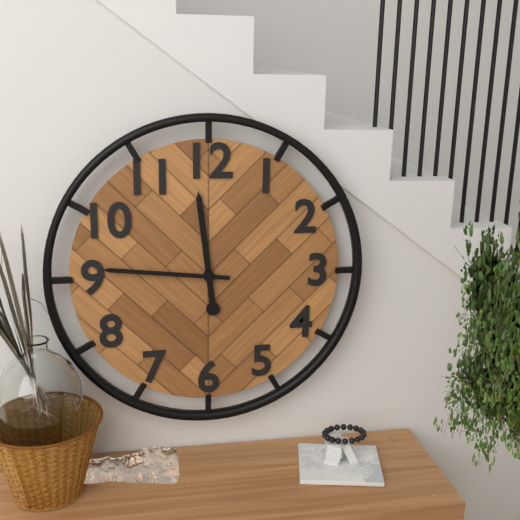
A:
11,46
